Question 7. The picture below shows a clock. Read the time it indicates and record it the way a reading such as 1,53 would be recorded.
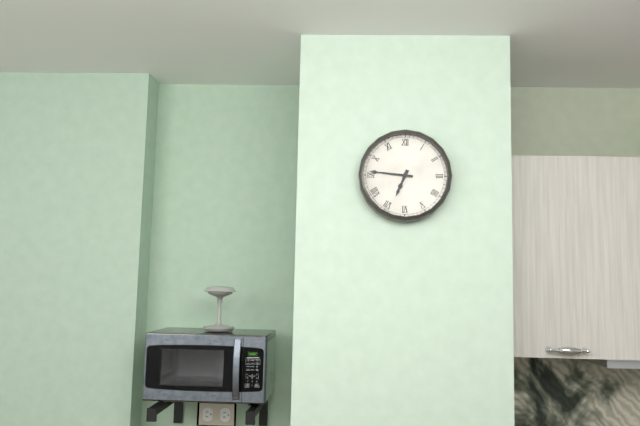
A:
6,46
